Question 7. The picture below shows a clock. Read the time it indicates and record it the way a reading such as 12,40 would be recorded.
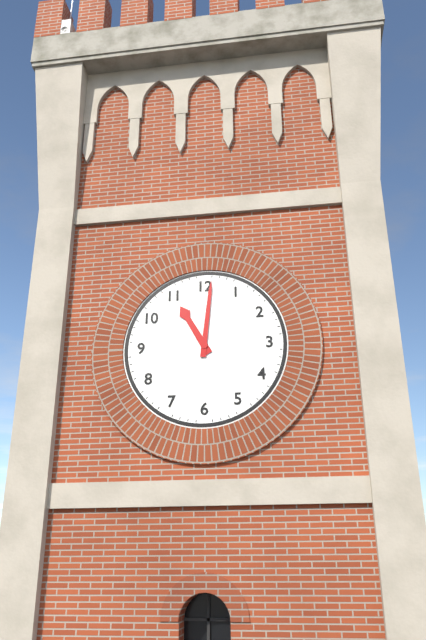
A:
11,01
